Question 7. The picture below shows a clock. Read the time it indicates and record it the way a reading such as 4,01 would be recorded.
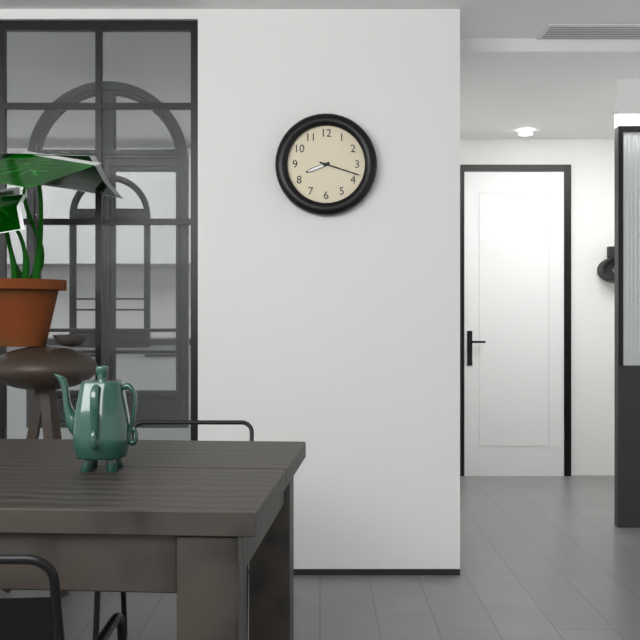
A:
8,18
